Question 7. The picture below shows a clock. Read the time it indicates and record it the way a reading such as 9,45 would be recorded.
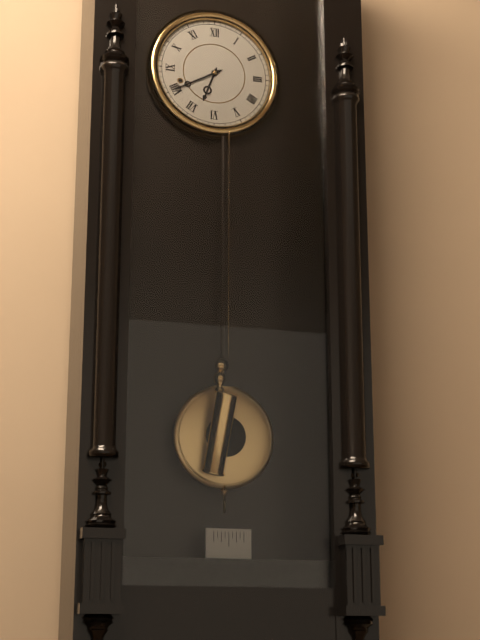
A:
6,40
